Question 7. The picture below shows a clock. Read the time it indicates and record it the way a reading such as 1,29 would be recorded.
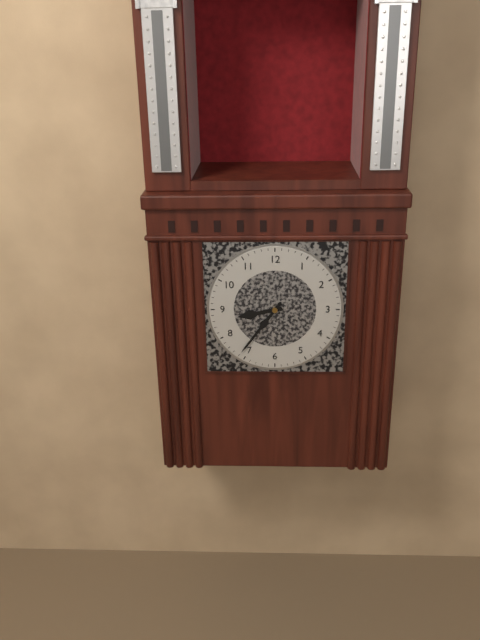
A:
8,36
